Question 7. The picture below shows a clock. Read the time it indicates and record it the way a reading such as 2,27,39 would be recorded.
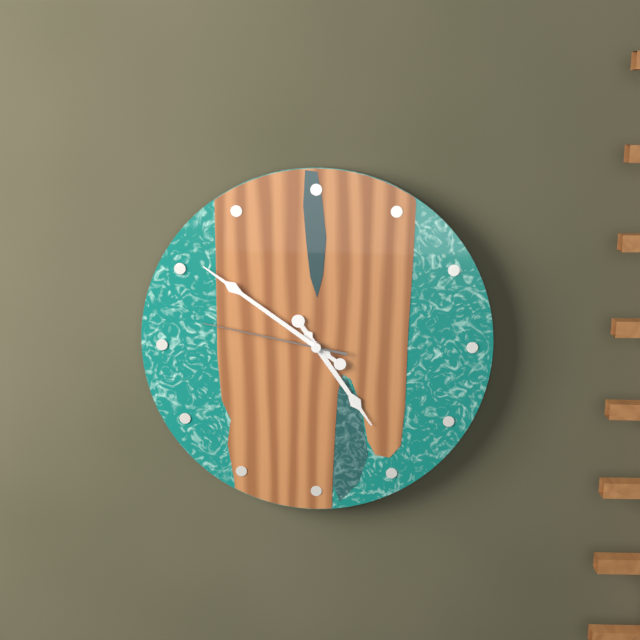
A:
4,51,47
